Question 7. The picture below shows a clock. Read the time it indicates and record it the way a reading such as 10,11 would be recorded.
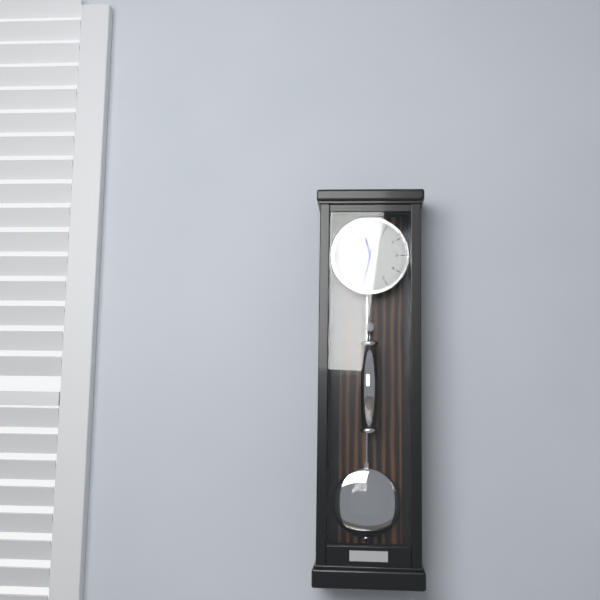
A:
11,32
